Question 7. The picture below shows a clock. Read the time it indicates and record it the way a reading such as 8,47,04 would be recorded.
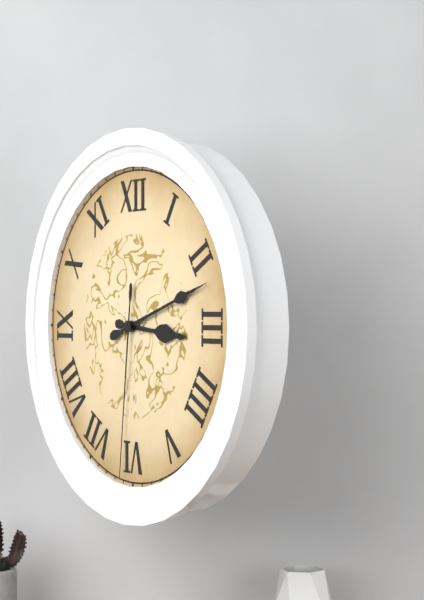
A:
3,12,31
